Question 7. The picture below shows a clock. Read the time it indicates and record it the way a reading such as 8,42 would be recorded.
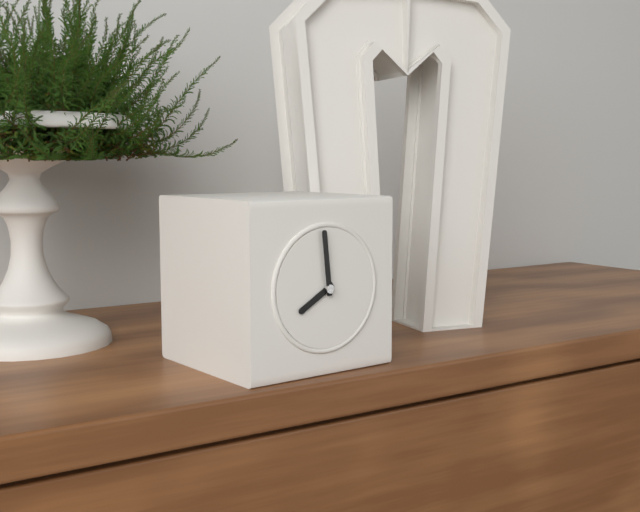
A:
7,59
